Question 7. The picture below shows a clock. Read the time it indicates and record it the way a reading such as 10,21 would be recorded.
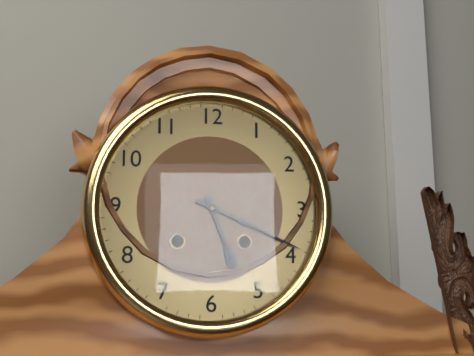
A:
5,19
